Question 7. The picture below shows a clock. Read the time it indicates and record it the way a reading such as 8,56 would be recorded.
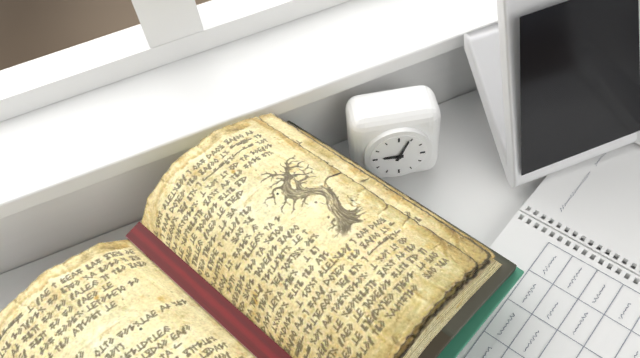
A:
9,04
